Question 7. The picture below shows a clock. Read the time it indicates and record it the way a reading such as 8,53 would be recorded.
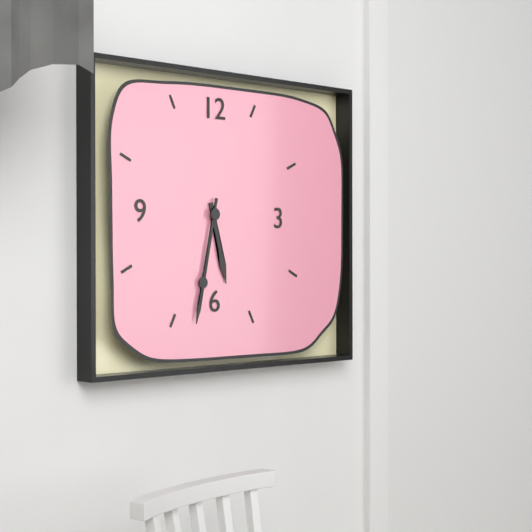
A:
5,32
